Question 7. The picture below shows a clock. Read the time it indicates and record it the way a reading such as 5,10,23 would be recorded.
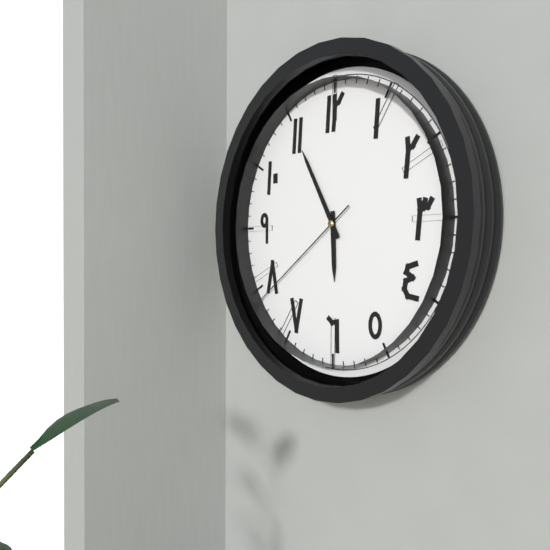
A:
5,55,39
